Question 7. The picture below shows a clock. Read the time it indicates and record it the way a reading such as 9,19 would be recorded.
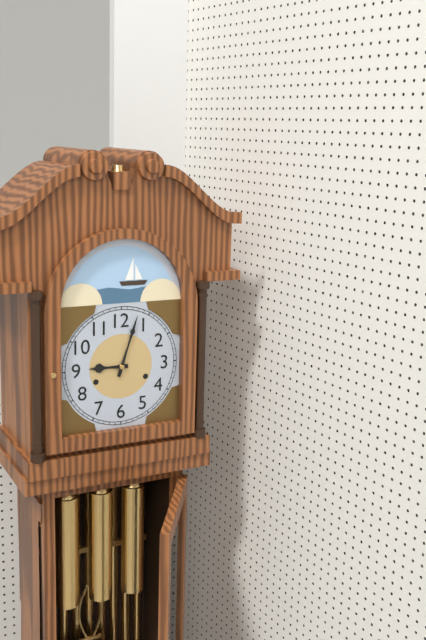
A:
9,03
